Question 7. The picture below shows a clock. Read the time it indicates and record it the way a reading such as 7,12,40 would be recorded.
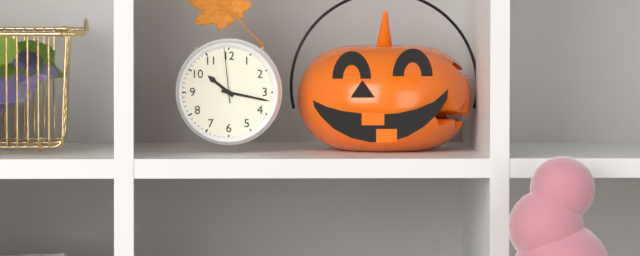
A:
10,17,59
